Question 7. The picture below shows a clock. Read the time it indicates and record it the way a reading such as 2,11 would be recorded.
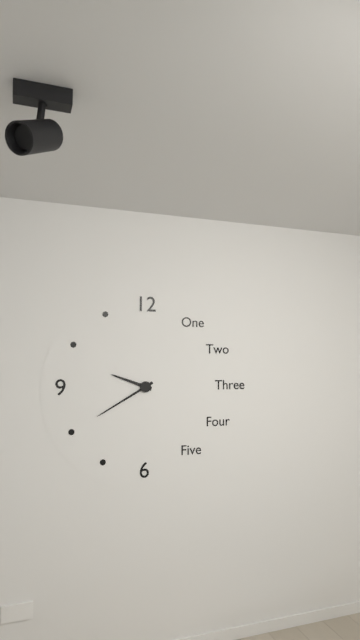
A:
9,40
